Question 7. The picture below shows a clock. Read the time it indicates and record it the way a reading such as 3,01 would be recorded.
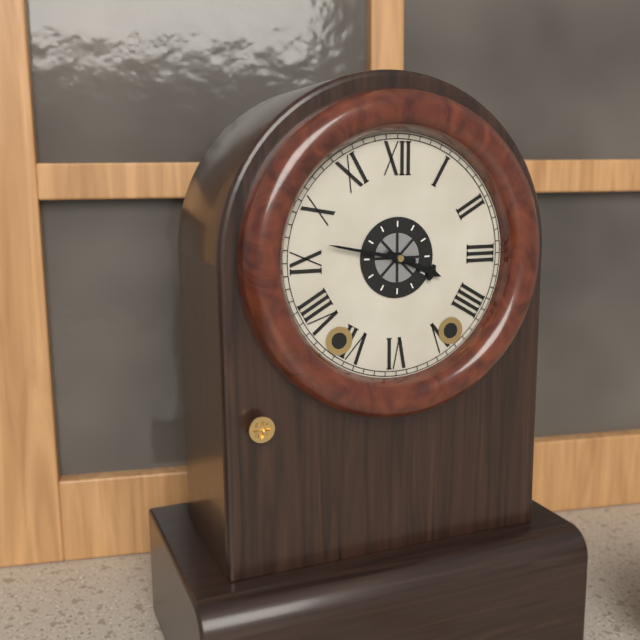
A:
3,47
